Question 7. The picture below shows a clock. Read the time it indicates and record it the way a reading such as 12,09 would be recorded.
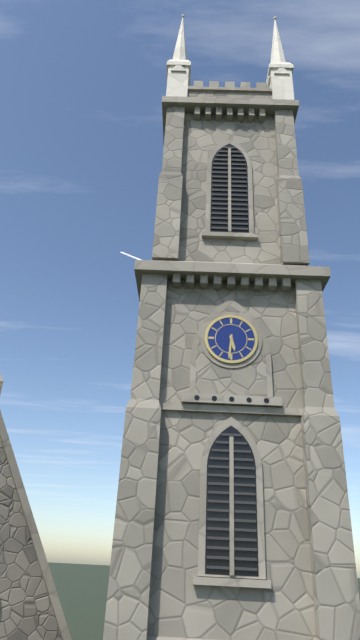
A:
5,31
